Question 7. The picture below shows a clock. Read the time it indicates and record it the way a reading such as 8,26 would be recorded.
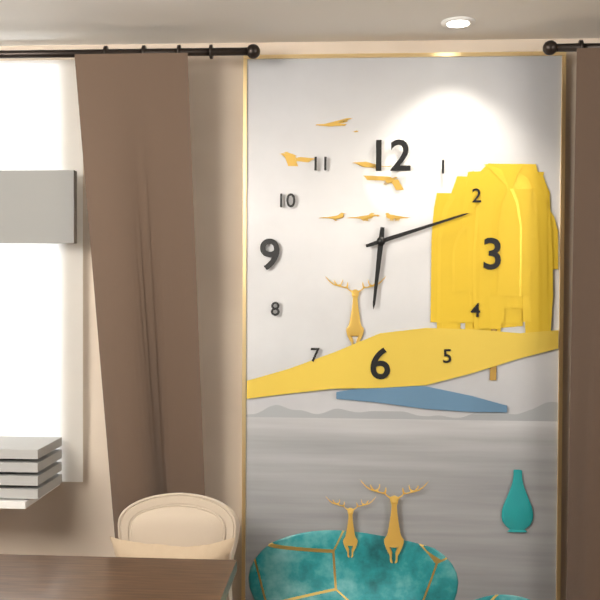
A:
6,12
